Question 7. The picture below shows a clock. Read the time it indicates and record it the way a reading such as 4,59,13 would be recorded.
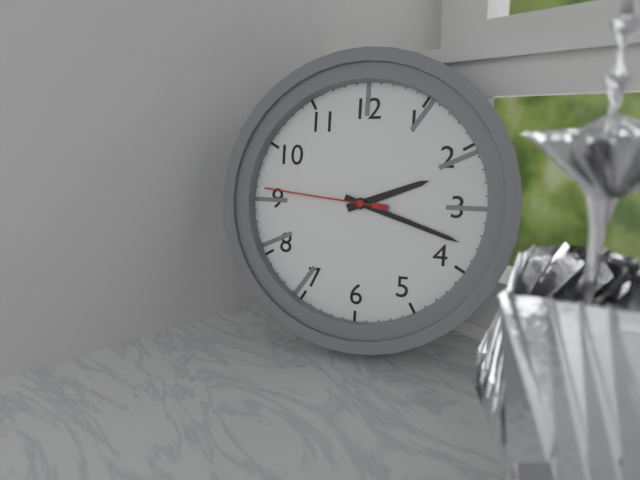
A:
2,18,46
